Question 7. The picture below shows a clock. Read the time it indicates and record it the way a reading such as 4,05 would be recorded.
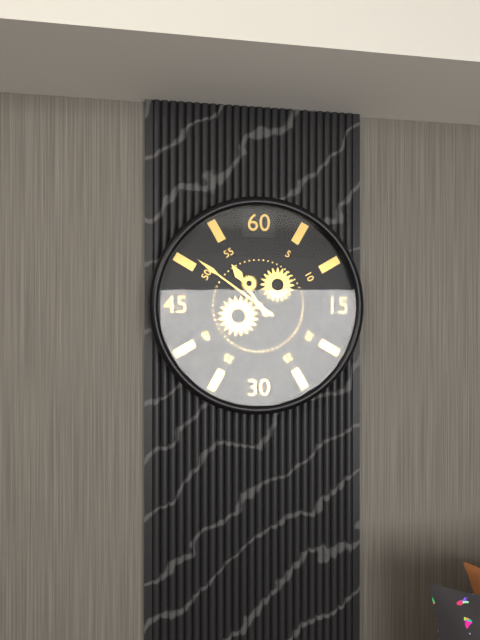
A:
10,51
